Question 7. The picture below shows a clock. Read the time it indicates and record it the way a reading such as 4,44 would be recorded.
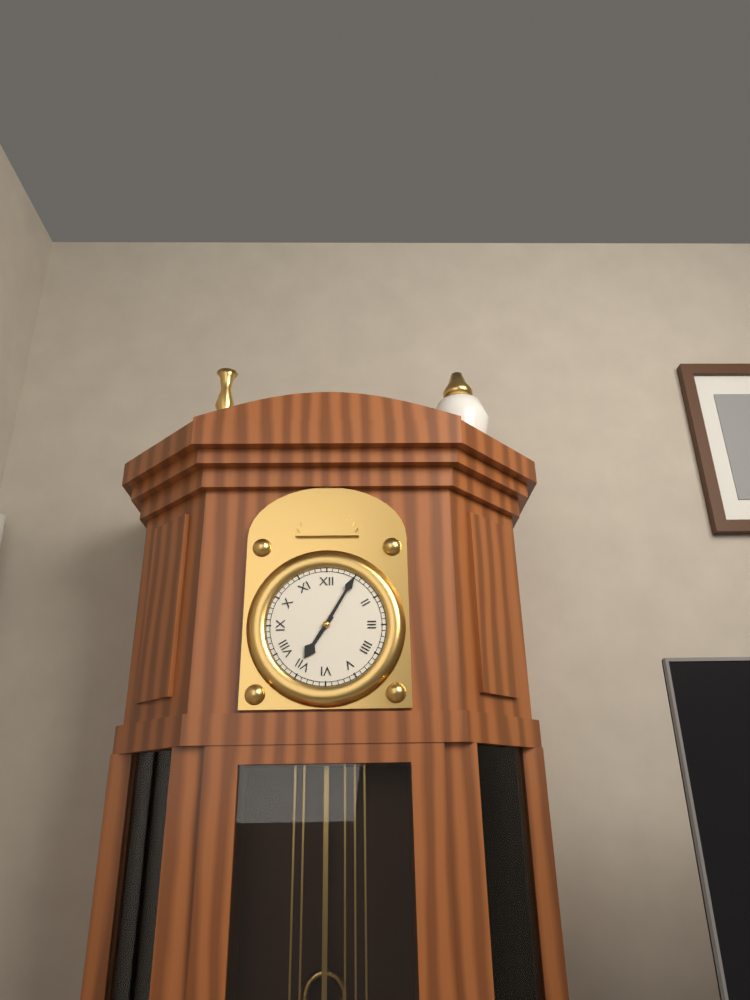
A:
7,05
